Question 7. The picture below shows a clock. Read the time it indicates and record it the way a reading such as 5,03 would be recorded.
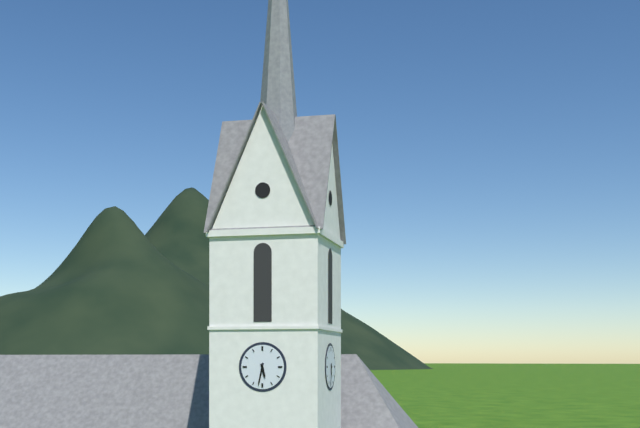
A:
5,32
